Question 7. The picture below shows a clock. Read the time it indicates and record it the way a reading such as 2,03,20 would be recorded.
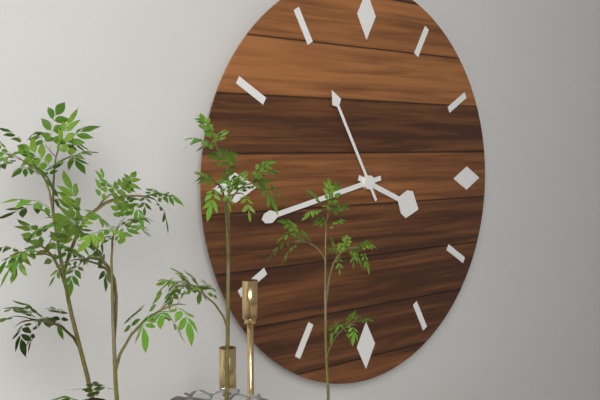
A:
3,43,55
